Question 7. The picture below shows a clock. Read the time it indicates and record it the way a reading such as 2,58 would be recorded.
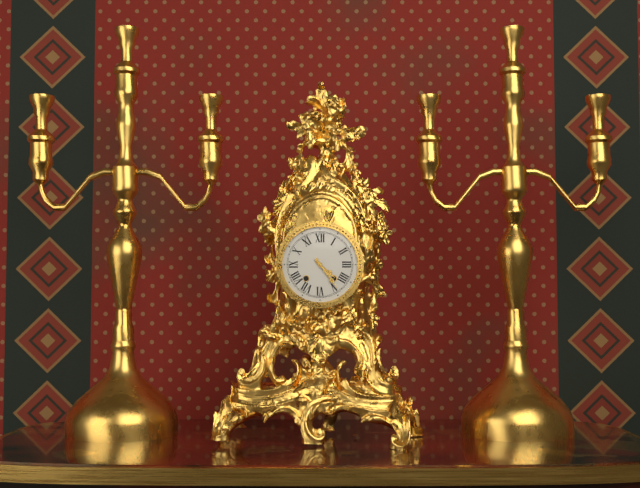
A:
4,24
